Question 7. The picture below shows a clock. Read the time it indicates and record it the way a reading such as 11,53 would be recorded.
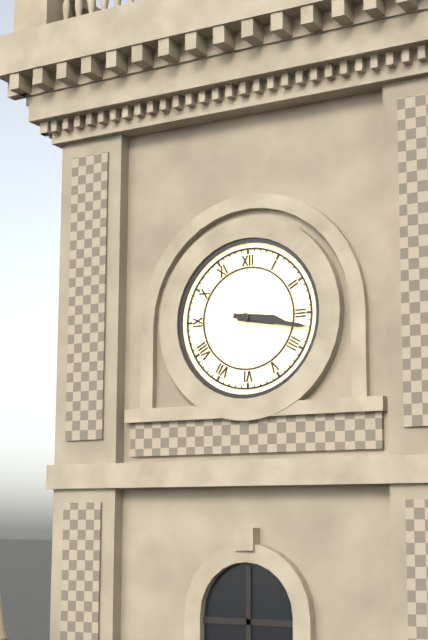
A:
3,17
